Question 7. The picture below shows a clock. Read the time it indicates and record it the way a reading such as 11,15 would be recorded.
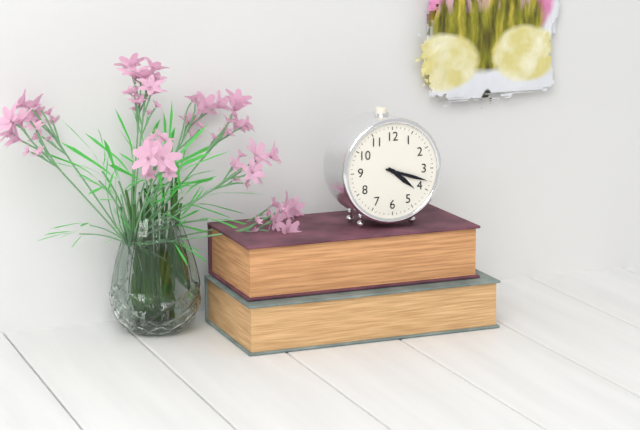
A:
4,18
